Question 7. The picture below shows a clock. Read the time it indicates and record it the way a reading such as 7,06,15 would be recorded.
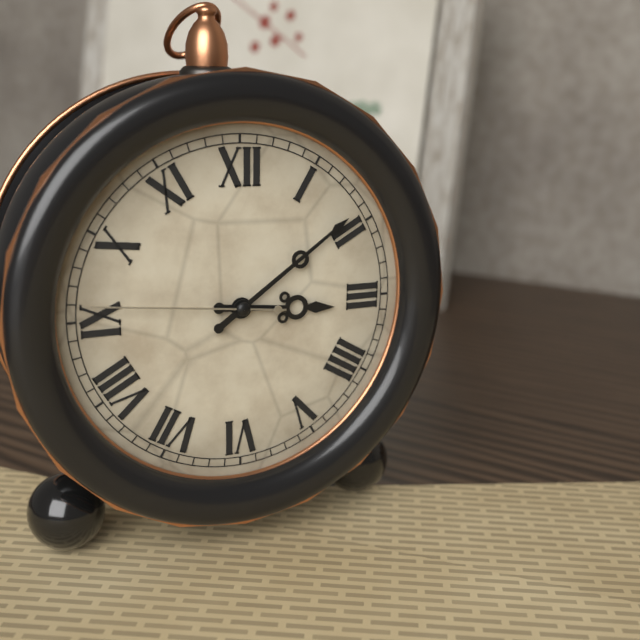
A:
3,09,46
